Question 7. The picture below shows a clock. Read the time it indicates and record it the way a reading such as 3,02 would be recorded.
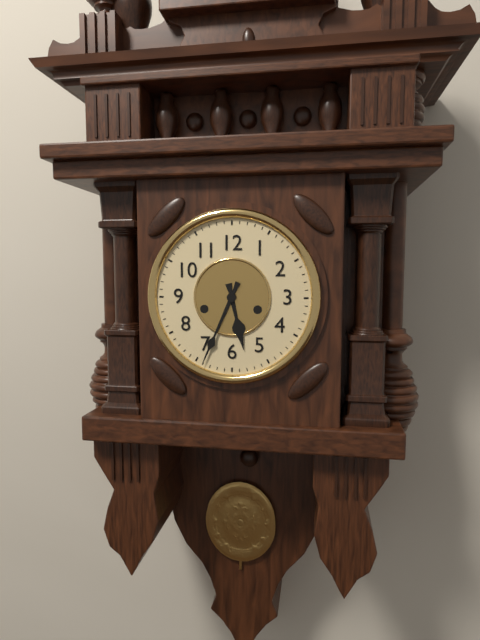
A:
5,34
